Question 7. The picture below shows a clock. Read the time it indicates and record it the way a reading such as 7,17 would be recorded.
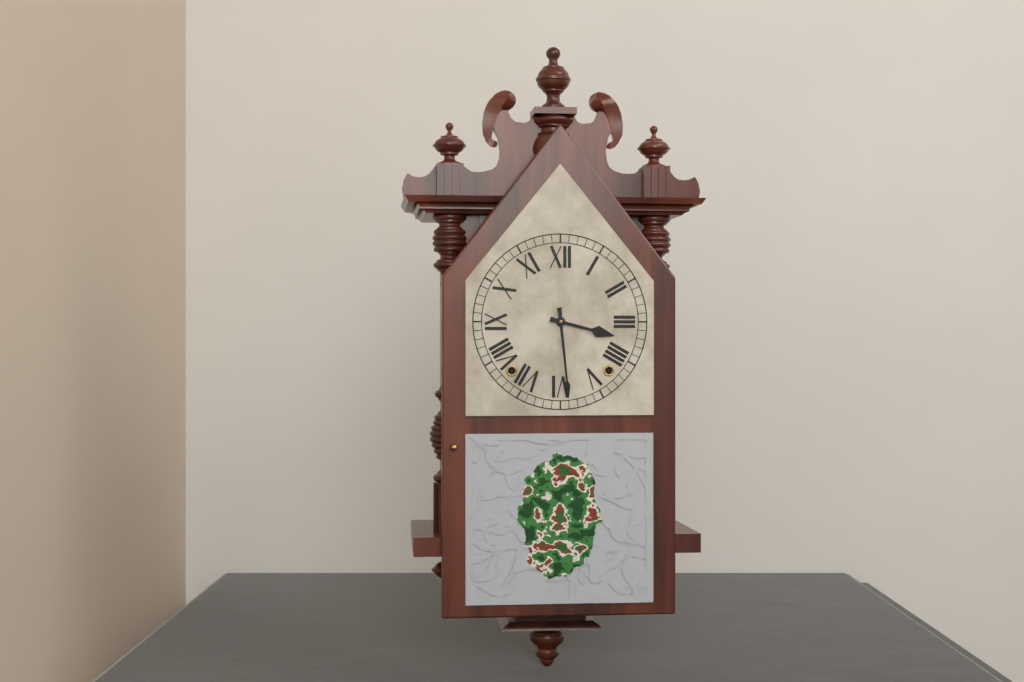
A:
3,29
